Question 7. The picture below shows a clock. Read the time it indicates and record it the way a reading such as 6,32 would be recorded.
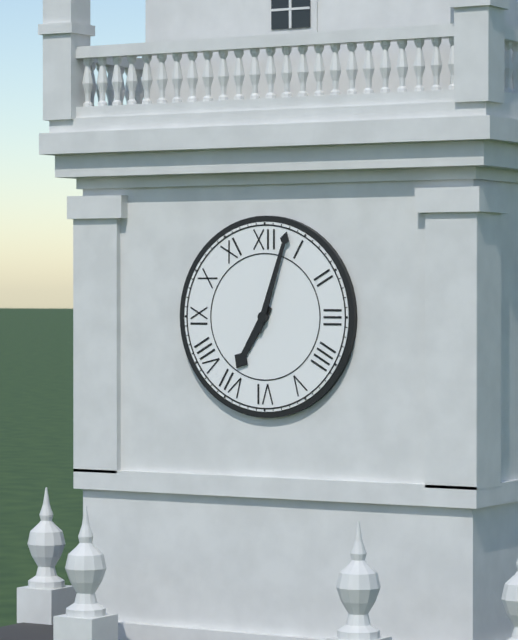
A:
7,03
